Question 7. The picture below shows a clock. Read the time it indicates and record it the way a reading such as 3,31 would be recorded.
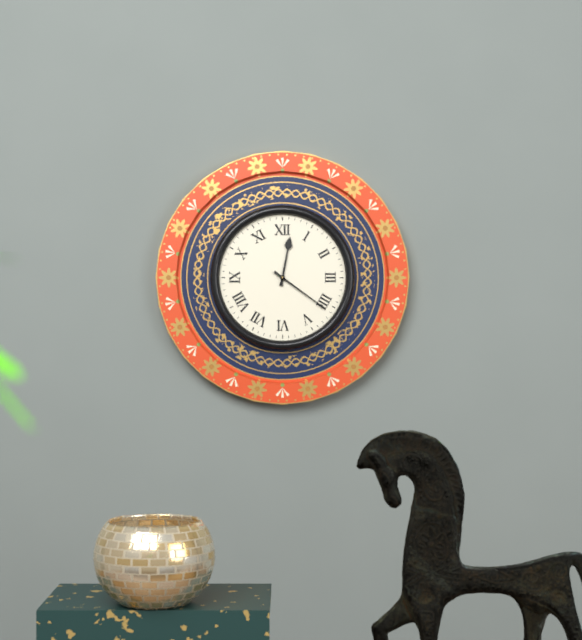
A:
12,21
